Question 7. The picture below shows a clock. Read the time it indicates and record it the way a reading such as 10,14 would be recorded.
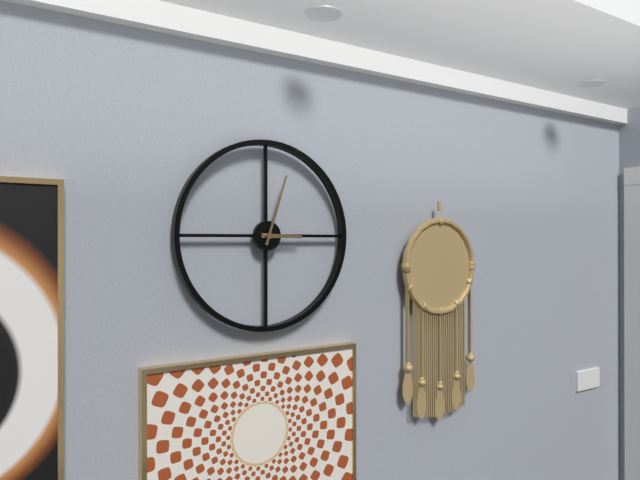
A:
3,03
